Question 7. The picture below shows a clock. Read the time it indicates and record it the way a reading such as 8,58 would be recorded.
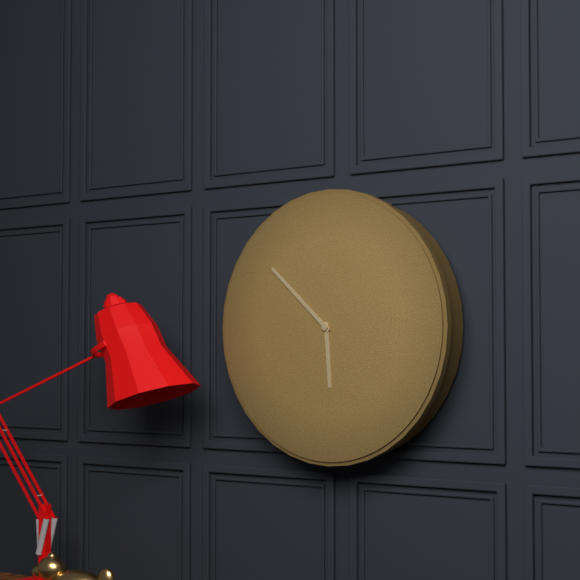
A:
5,52
